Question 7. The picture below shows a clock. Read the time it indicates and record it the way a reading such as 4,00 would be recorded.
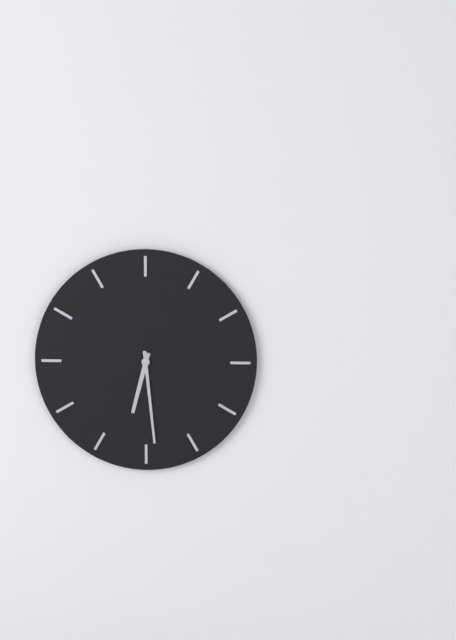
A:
6,29
